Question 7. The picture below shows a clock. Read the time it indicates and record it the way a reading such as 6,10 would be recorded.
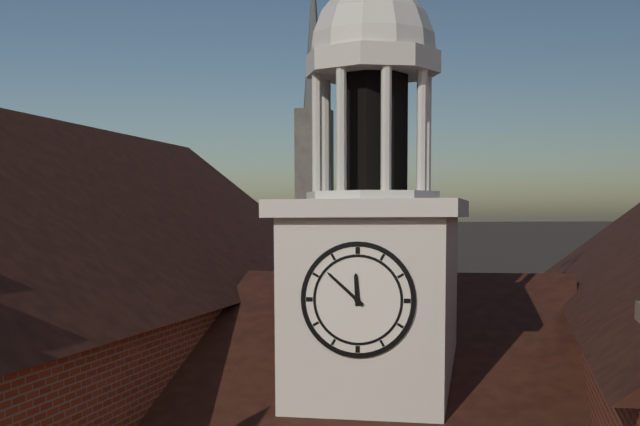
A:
11,52
